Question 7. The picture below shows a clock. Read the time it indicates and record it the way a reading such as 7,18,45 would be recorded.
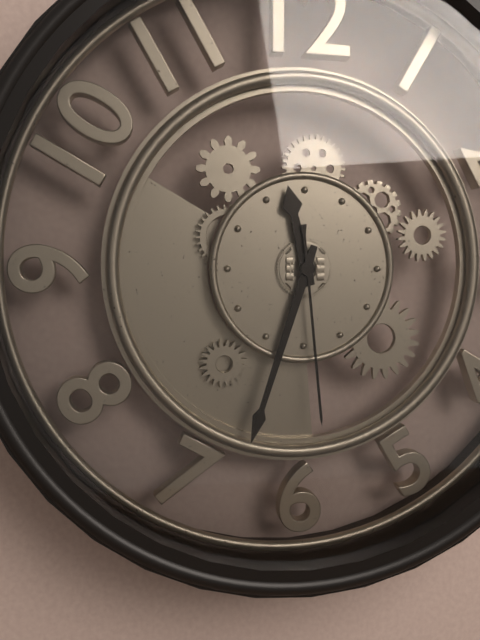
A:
11,33,29
